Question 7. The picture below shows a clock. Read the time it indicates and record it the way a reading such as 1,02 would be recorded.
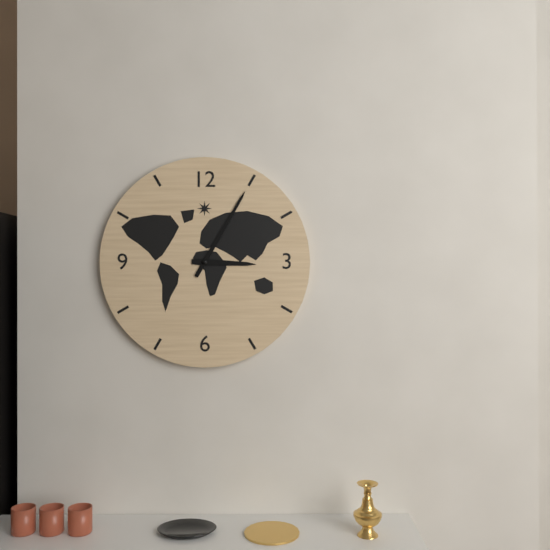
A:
3,05
